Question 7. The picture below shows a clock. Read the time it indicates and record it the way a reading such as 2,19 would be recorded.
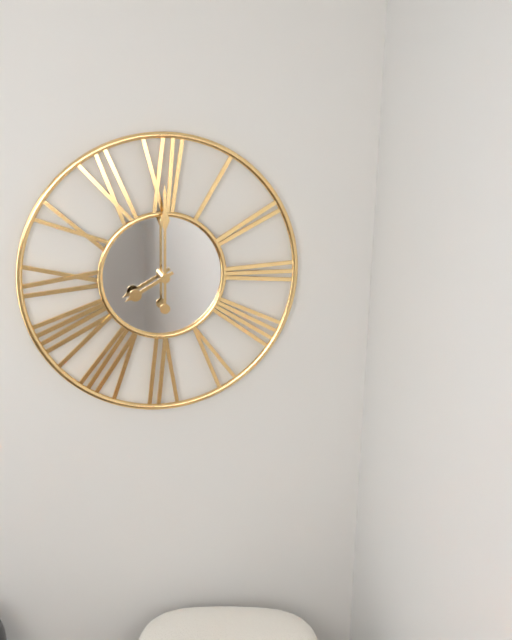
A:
8,00
